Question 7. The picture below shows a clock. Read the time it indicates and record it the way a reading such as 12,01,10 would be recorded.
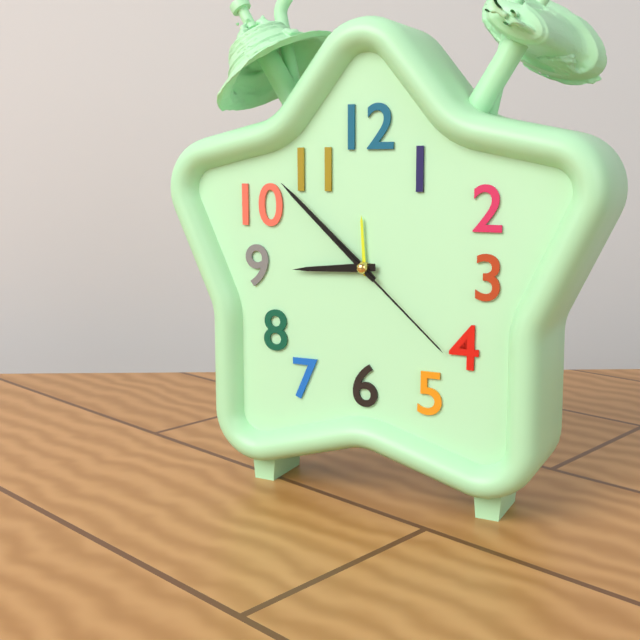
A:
8,52,22
